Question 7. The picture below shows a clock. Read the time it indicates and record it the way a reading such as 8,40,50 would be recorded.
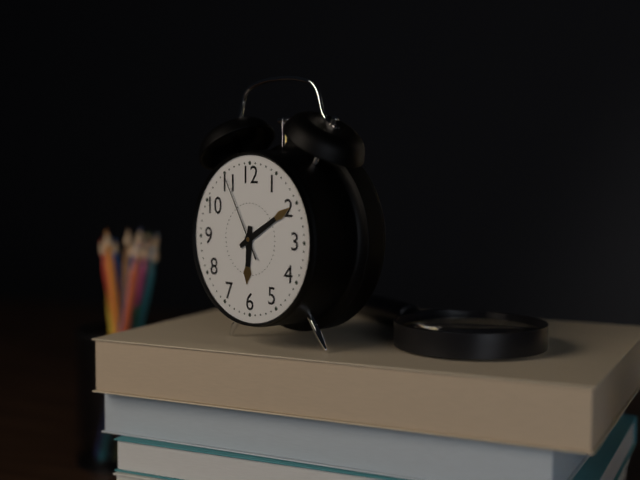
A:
6,10,55
